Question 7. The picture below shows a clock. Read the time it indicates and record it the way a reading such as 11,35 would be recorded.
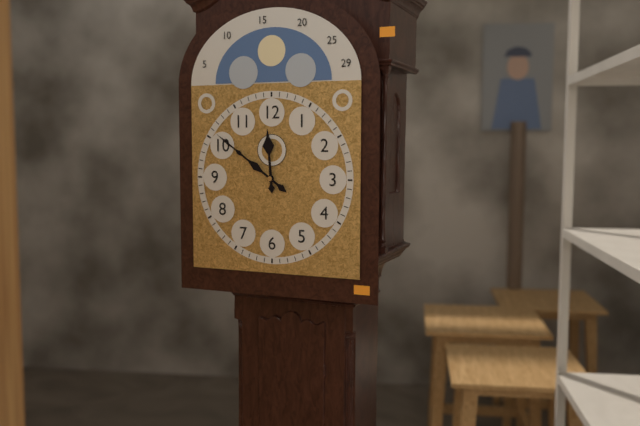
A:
11,51
